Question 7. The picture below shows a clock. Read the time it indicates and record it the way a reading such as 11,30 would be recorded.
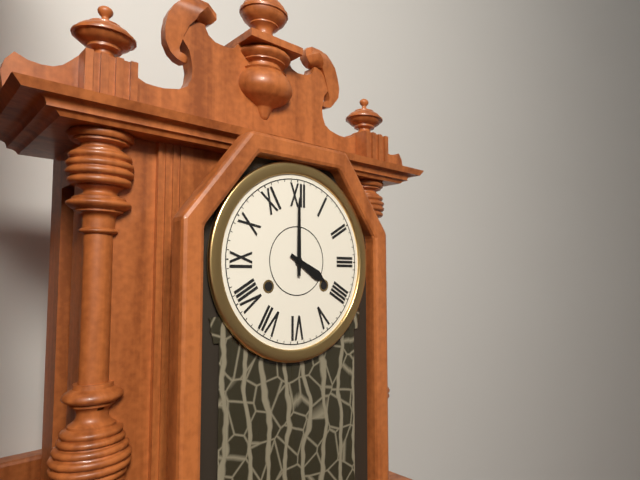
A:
4,00
